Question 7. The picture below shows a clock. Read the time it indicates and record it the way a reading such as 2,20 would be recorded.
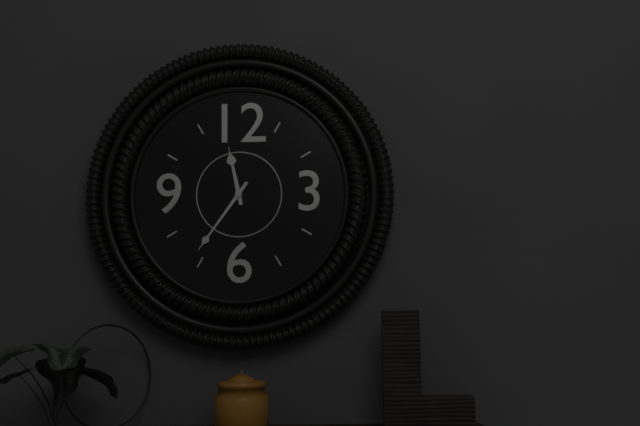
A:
11,36
